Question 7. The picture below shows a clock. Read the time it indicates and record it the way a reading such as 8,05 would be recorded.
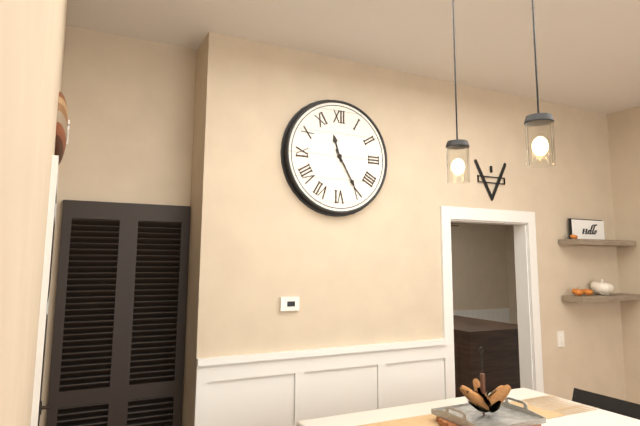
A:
11,25
